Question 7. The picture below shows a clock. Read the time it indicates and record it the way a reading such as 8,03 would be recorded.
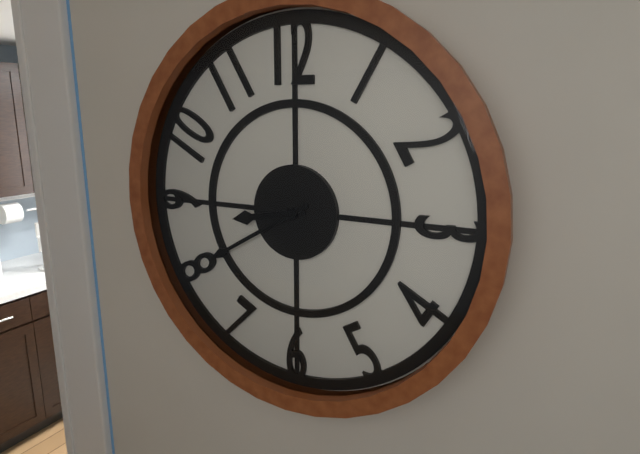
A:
8,40
